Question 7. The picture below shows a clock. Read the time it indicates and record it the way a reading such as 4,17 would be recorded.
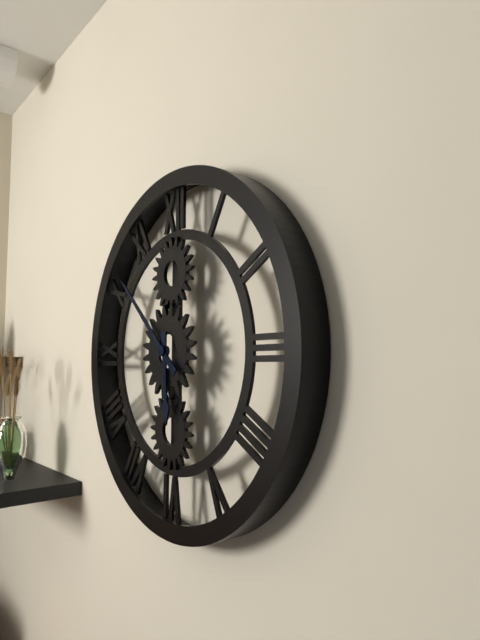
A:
5,52
